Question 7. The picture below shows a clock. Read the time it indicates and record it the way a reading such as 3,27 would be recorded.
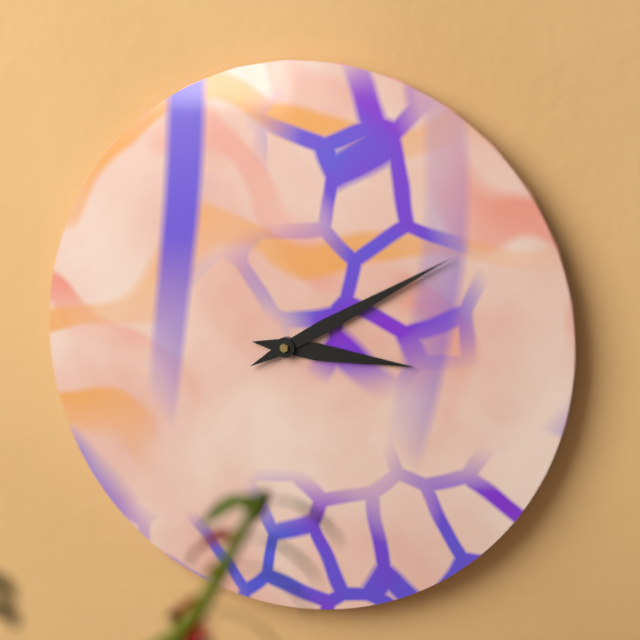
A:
3,10
